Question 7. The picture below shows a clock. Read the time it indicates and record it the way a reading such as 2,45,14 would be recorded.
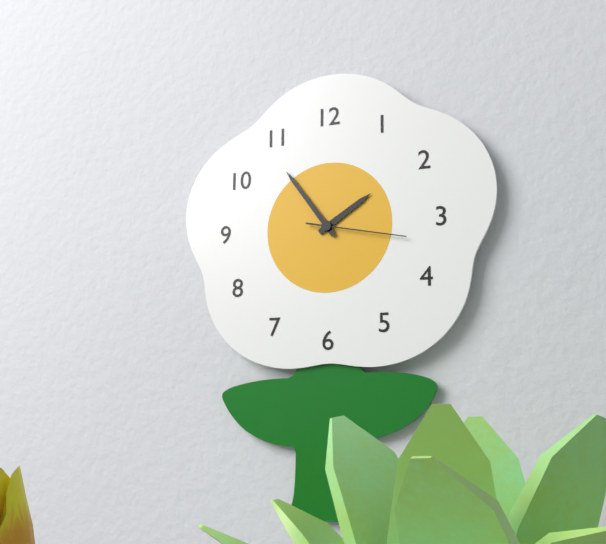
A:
1,54,17
